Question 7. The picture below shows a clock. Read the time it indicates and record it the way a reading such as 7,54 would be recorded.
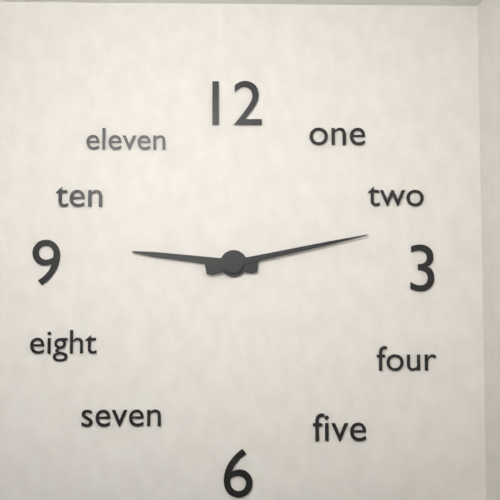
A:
9,13
